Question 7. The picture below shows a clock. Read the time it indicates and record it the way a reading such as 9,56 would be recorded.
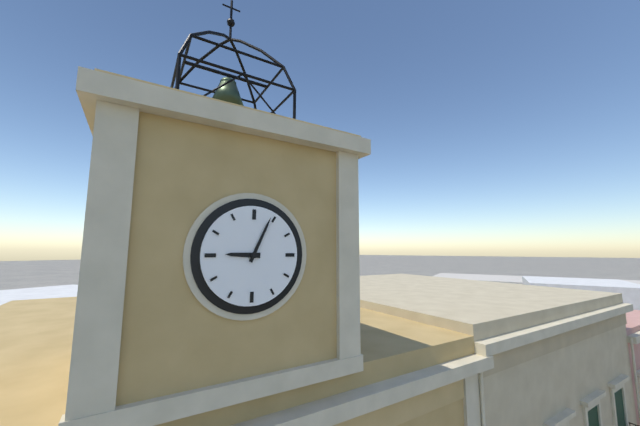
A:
9,04
